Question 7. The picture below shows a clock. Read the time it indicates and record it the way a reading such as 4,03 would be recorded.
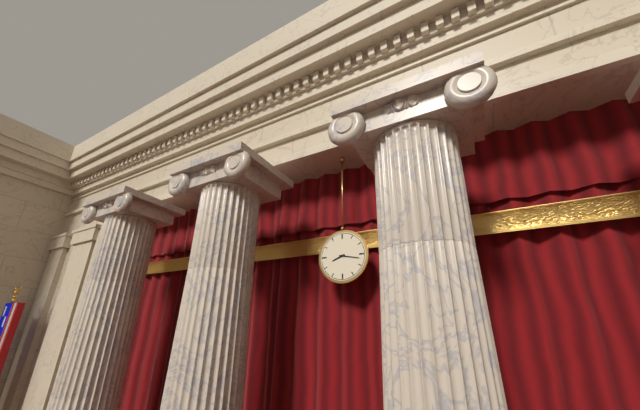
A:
8,17
